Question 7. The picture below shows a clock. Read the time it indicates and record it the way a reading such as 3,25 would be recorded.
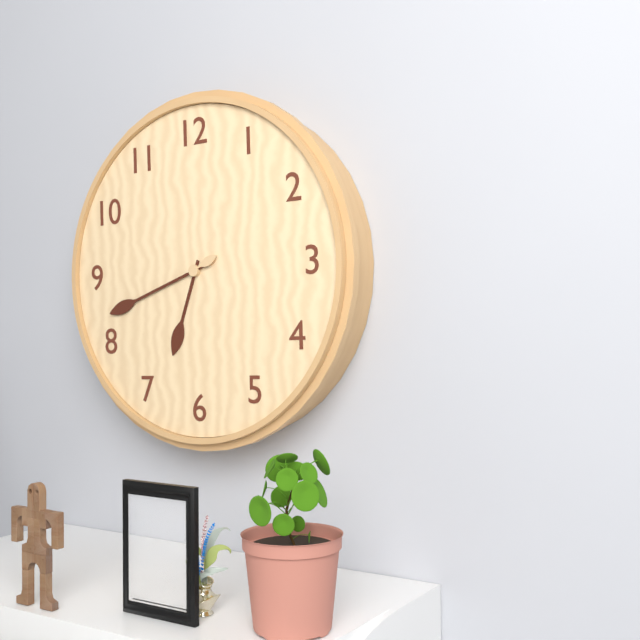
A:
6,42
